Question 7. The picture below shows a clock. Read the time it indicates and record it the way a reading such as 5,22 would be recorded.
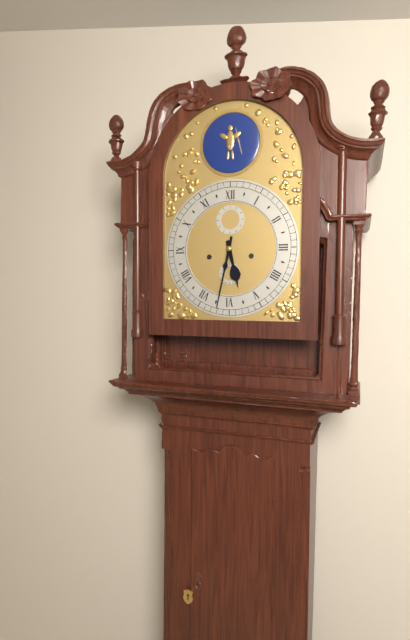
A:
5,32
